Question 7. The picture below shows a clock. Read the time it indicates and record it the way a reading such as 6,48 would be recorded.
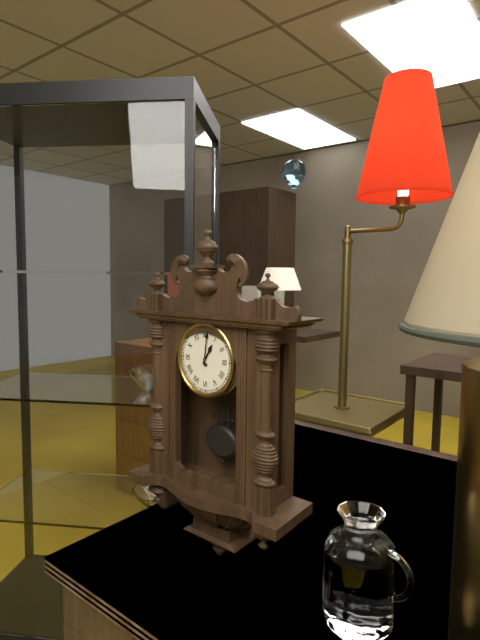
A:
1,01
